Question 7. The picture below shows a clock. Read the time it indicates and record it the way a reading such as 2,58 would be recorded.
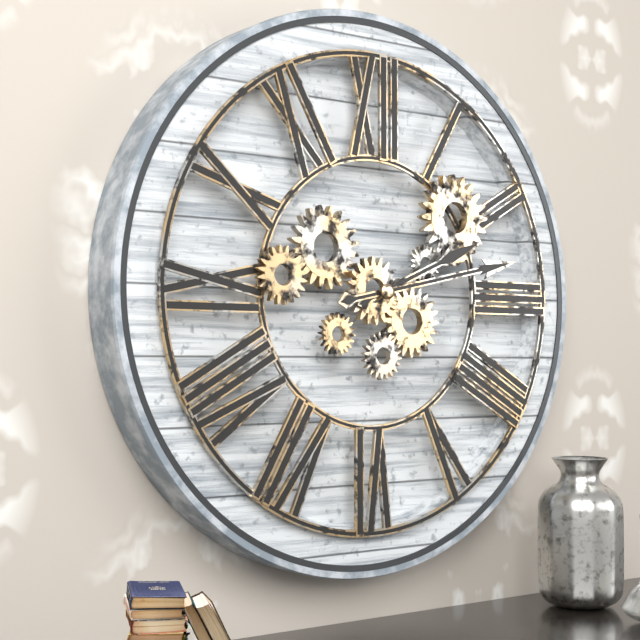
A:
2,13
